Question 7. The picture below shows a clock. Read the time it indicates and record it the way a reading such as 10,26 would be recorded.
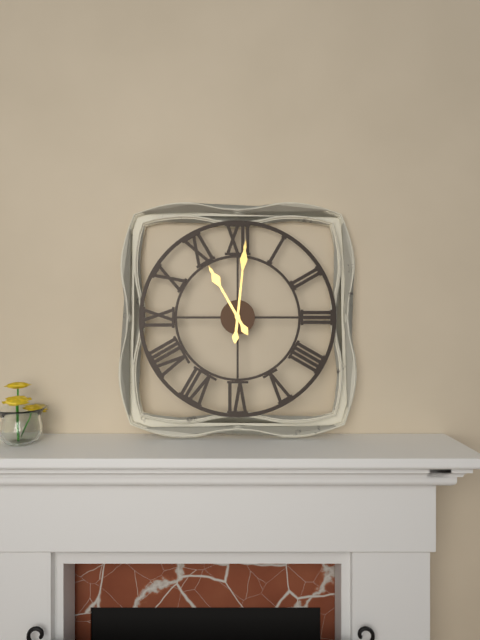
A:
11,01
